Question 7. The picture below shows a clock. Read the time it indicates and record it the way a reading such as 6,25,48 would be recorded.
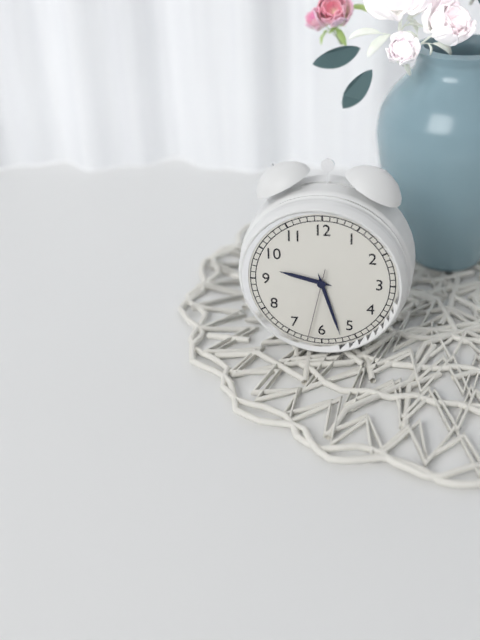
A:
9,27,32
